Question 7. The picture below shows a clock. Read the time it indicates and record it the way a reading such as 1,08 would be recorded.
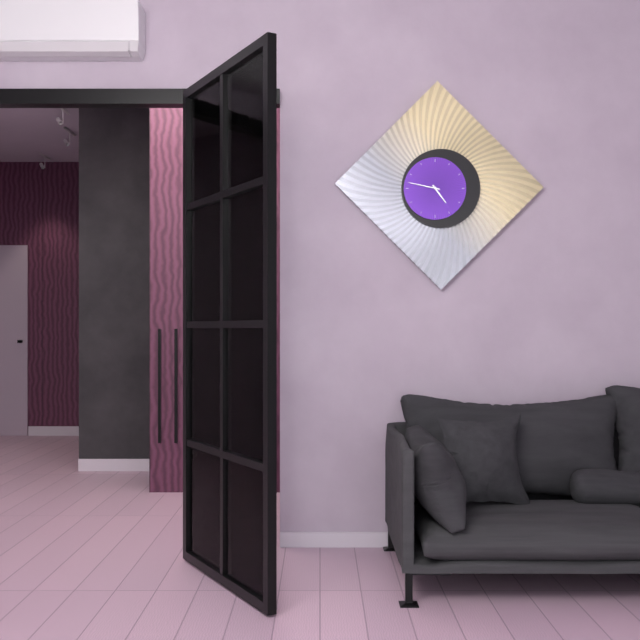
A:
4,47
